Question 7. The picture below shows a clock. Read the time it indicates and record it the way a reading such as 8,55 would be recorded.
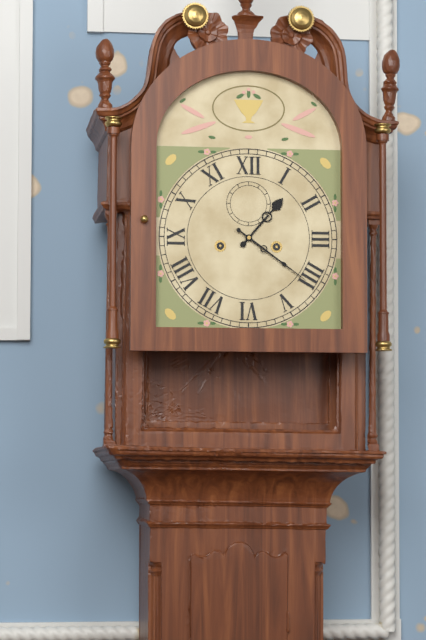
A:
1,21
